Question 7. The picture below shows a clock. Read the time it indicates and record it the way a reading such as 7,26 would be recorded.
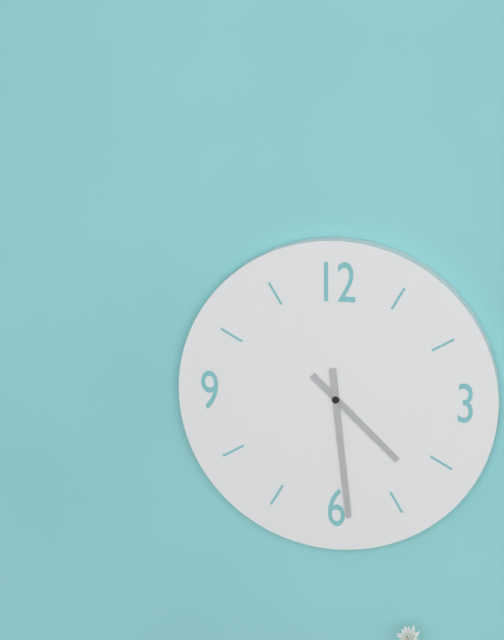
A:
4,29
